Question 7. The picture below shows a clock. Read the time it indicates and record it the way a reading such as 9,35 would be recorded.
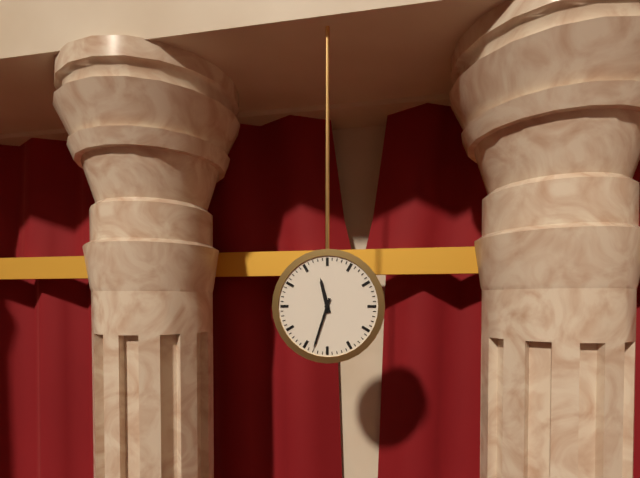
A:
11,33
